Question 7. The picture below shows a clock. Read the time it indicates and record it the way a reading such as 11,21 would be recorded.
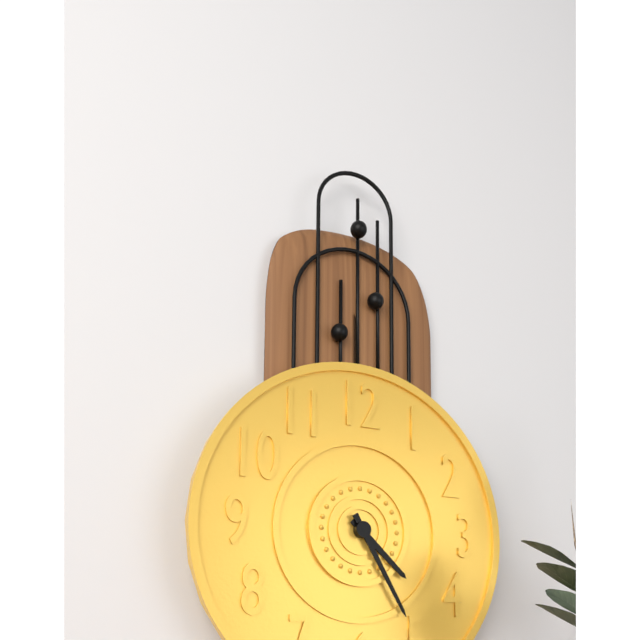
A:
4,25
